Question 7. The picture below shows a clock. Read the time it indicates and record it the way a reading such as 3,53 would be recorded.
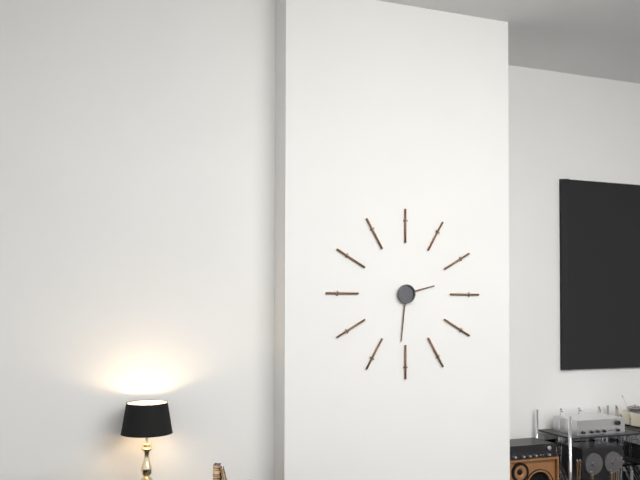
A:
2,31
